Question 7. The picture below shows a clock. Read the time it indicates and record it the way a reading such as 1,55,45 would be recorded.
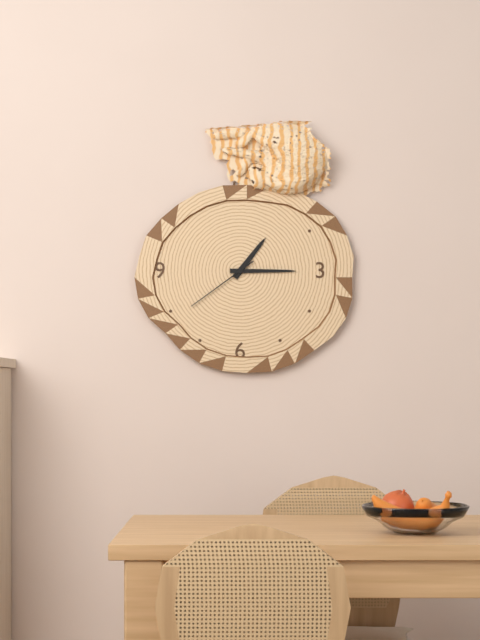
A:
1,15,39
